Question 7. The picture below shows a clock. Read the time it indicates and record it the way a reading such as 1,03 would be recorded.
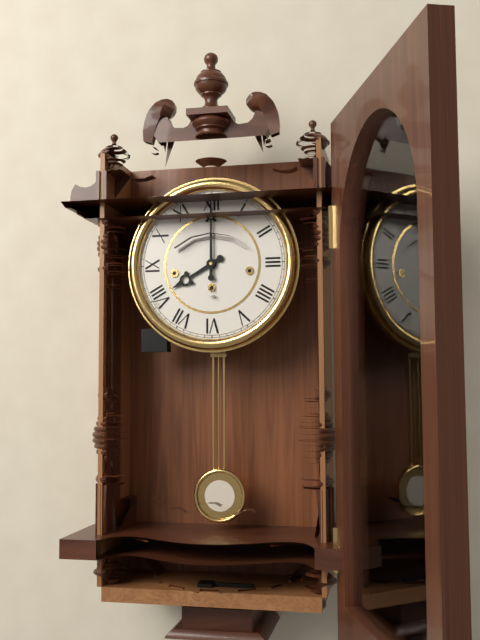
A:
8,00
